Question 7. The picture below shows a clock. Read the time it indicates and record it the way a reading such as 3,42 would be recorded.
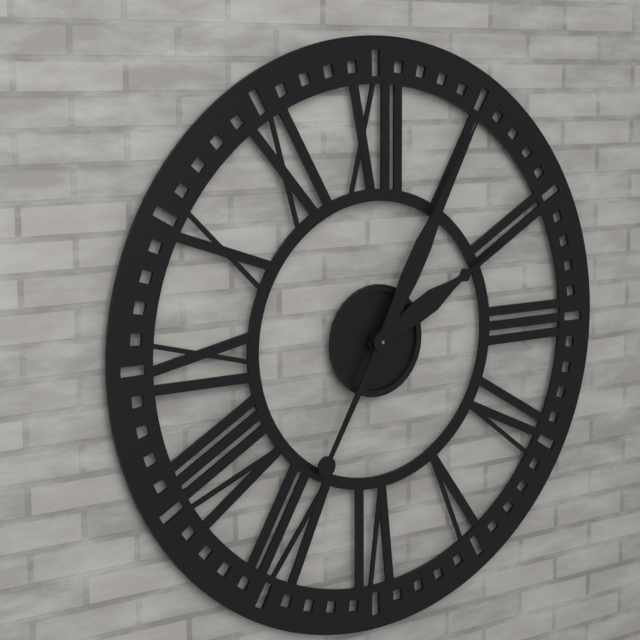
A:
2,05
